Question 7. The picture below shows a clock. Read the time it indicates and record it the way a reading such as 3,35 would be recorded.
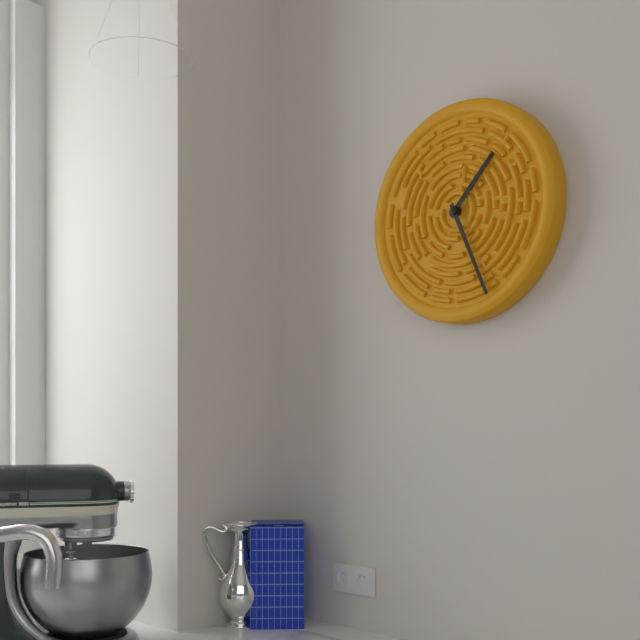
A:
1,26
